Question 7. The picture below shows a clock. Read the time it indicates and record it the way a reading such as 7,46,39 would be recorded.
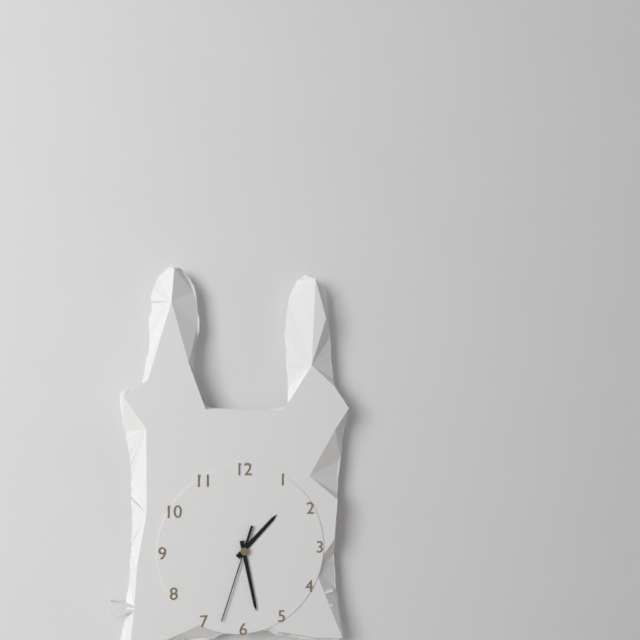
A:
1,28,33
